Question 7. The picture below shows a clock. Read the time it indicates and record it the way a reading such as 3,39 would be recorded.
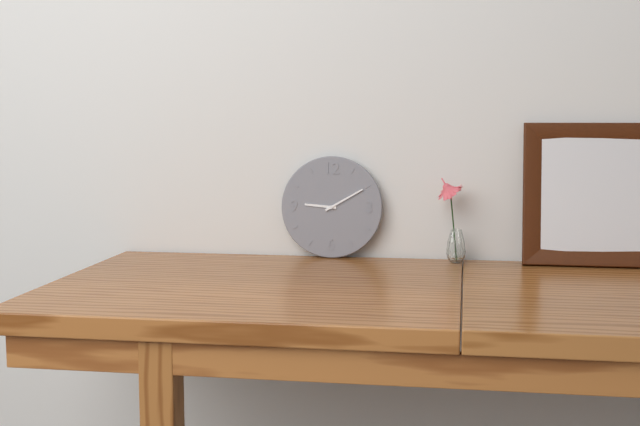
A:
9,10
